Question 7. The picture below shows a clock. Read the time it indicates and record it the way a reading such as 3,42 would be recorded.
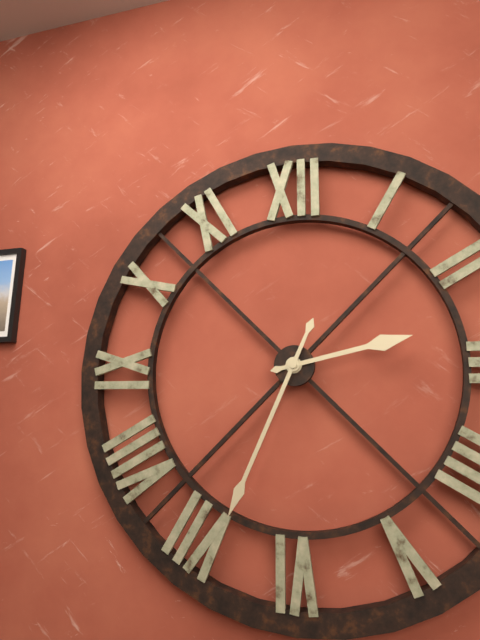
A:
2,34
